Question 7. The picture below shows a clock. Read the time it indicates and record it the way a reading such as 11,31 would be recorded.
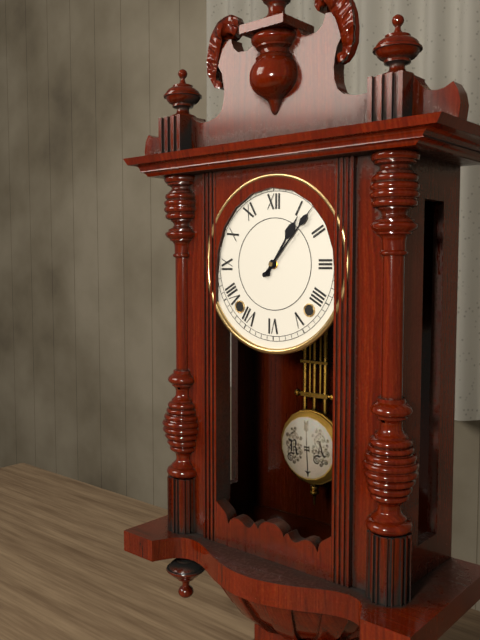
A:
1,07
